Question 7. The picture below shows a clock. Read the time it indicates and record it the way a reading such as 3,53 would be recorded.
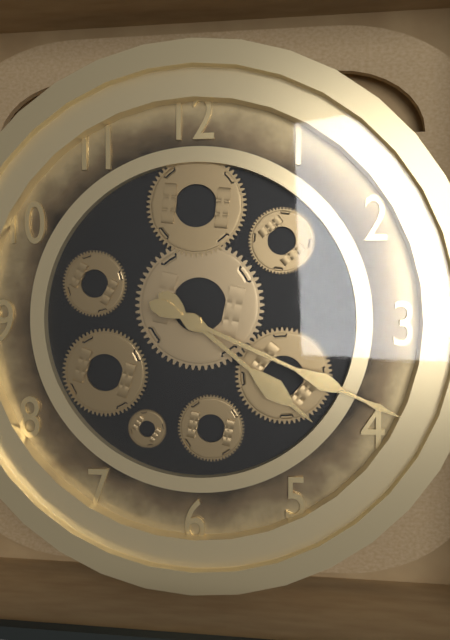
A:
4,19
